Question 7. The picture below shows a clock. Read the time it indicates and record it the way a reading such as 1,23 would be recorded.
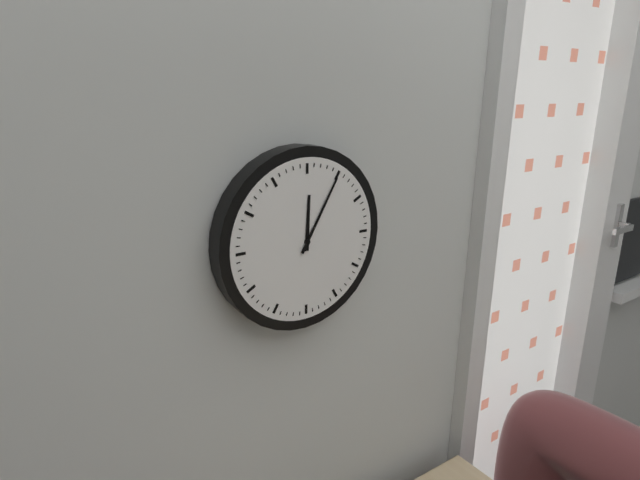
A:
12,05
